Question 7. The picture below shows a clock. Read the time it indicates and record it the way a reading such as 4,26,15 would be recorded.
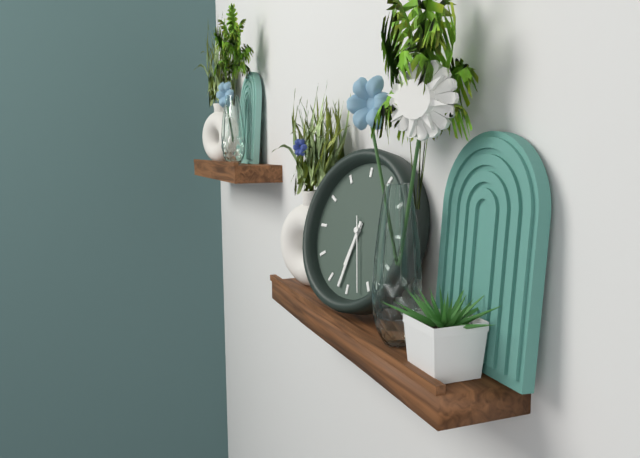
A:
6,32,27
